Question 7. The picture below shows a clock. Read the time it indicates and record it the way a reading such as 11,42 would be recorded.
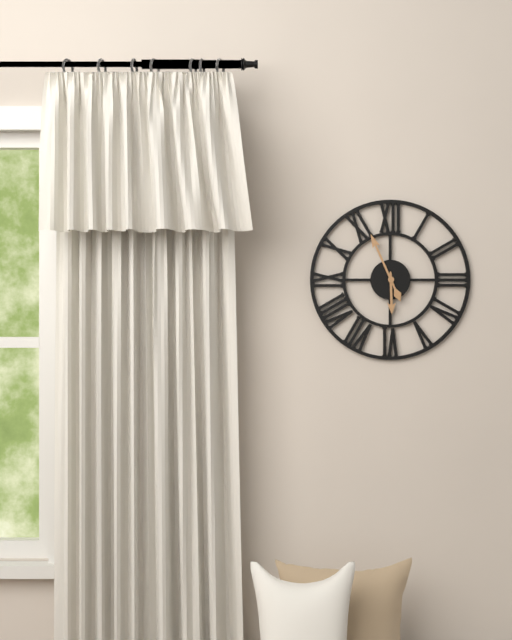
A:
5,56
